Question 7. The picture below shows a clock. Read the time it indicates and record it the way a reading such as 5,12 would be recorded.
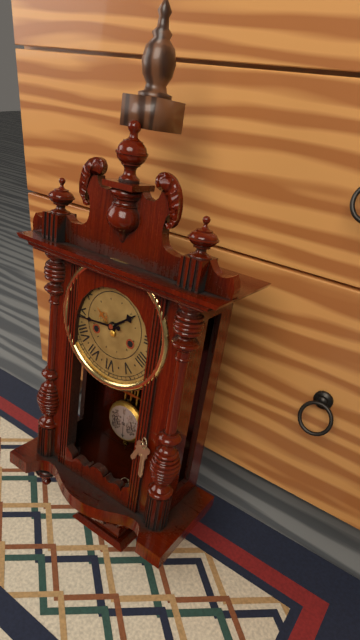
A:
1,44
